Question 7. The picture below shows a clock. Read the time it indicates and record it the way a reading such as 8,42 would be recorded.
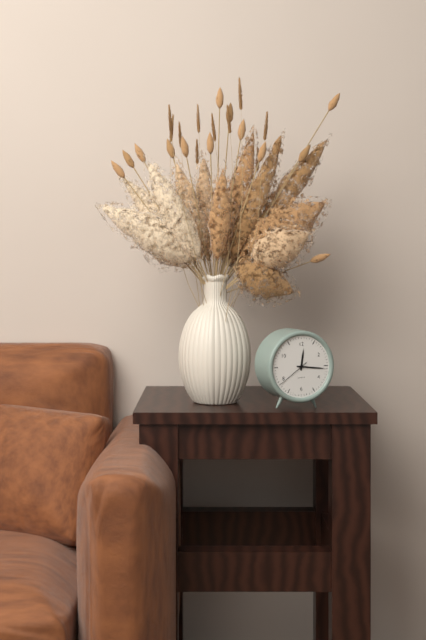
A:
12,16
